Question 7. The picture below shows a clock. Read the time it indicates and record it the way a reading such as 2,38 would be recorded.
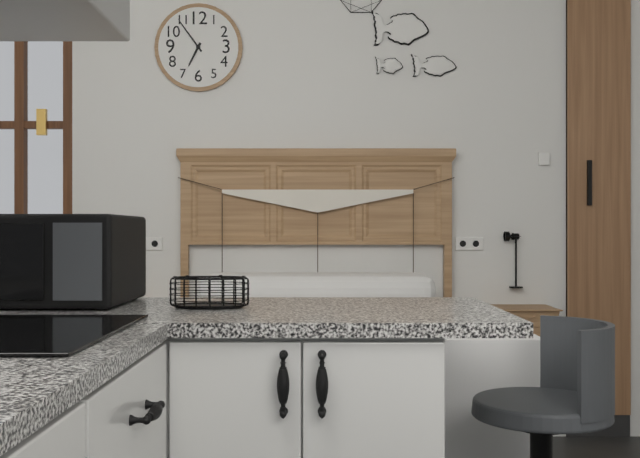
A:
6,54
